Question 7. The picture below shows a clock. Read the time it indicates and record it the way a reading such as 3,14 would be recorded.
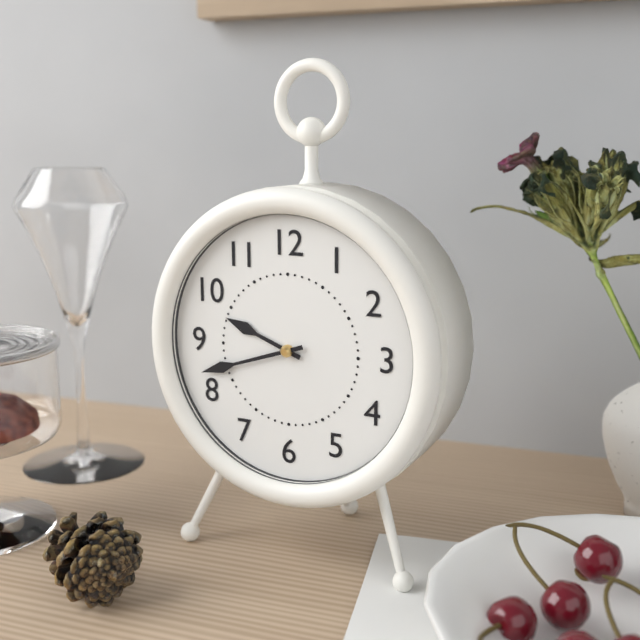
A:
9,42
